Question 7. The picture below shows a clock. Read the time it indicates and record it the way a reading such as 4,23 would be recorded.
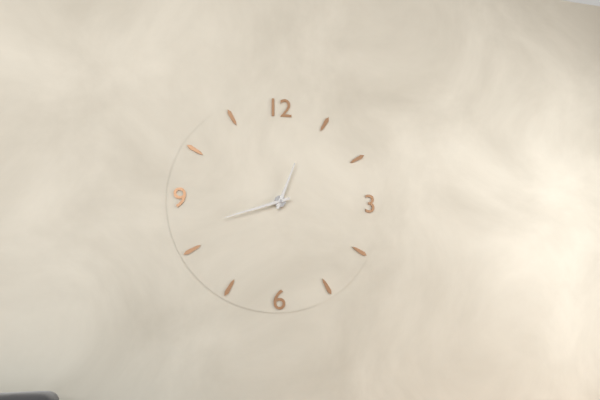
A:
12,42
